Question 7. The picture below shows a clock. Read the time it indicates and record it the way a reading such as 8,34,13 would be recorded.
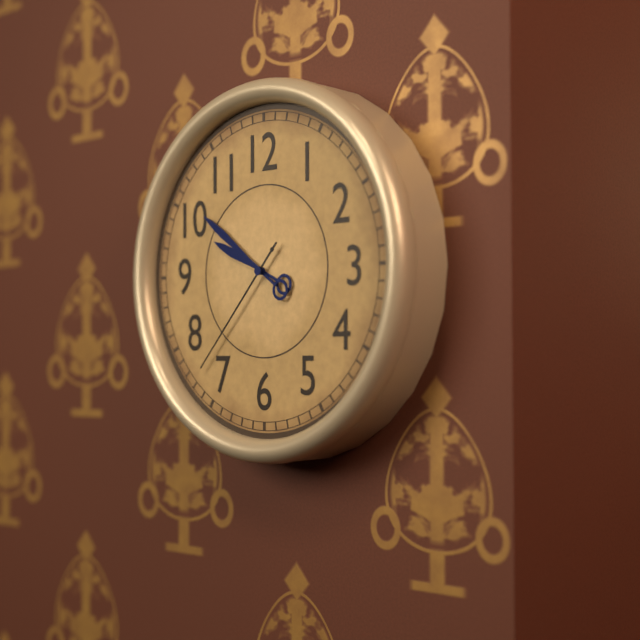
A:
9,51,37
